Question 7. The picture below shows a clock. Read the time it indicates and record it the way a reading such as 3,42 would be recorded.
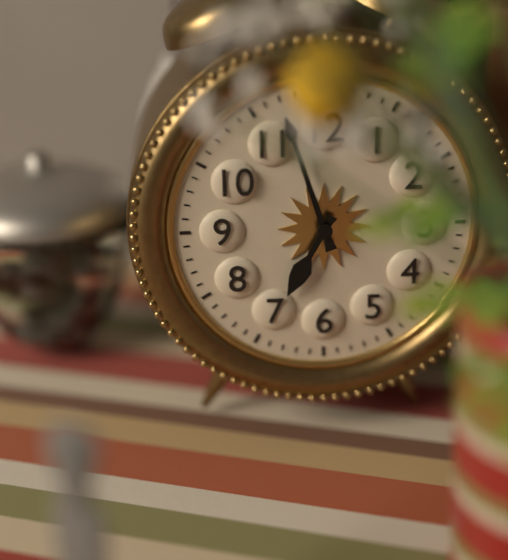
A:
6,57
